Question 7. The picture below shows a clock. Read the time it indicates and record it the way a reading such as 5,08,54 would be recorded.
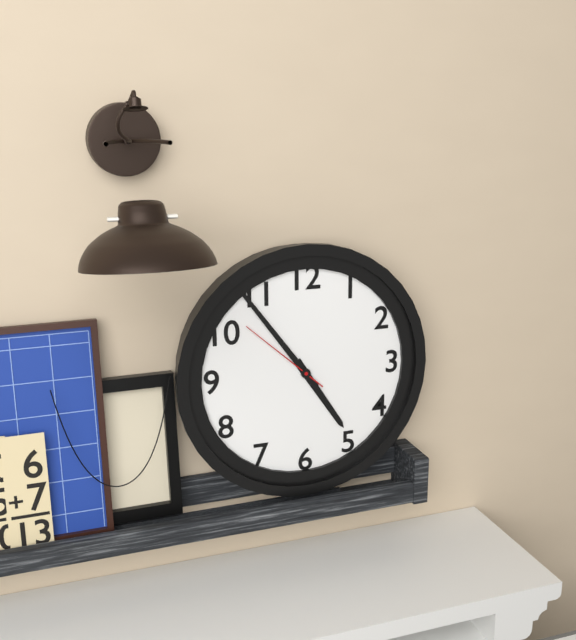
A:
4,54,52
